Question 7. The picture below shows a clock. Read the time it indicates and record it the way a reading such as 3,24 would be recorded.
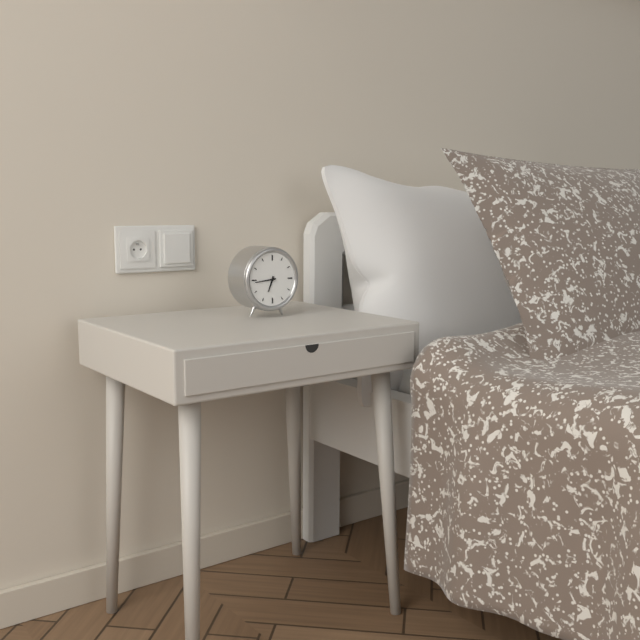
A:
6,44
